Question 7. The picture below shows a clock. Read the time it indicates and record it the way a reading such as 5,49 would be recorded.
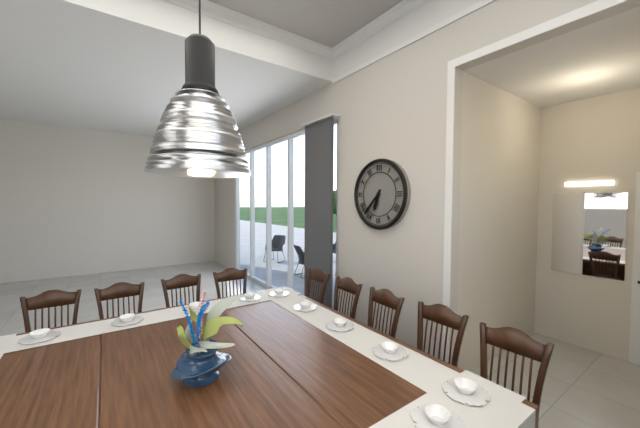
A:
6,37
